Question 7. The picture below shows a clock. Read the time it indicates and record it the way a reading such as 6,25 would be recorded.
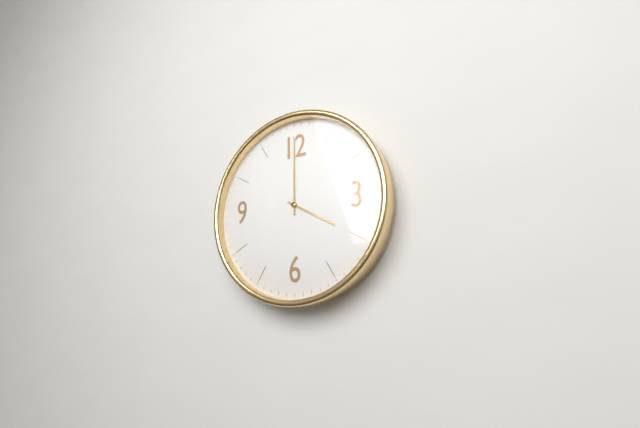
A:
4,00
